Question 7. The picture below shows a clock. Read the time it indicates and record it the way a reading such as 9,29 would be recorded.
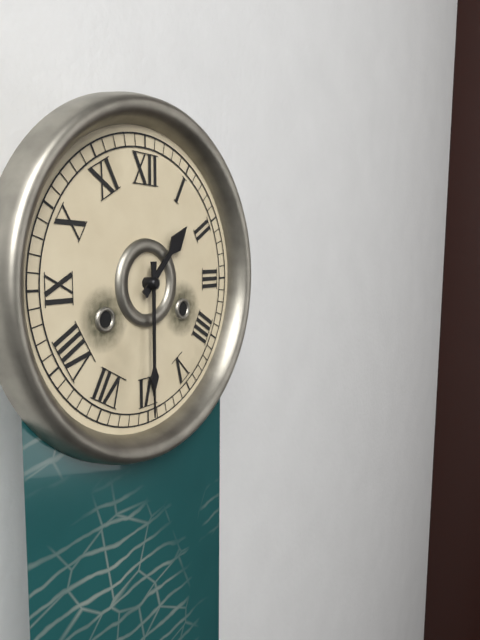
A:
1,30
